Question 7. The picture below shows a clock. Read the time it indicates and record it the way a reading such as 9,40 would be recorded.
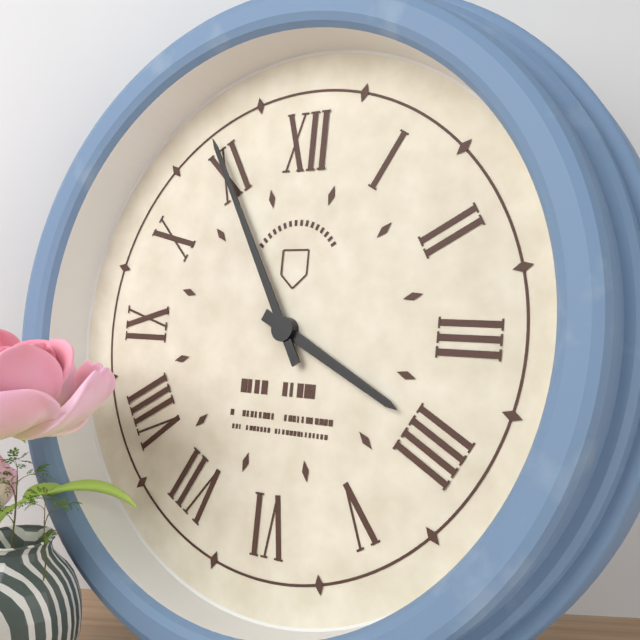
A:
3,55
